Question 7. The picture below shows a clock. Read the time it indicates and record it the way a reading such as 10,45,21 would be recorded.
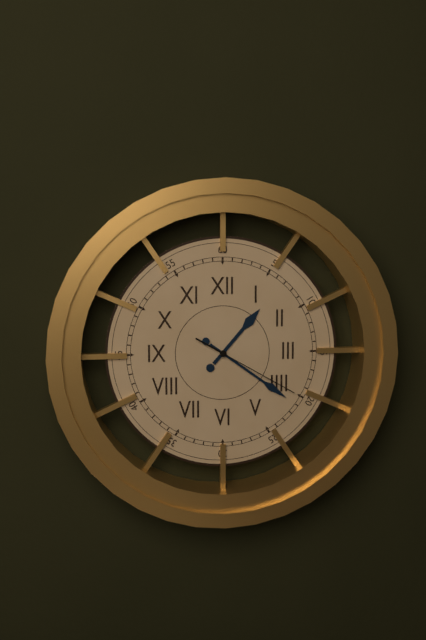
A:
1,21,20
